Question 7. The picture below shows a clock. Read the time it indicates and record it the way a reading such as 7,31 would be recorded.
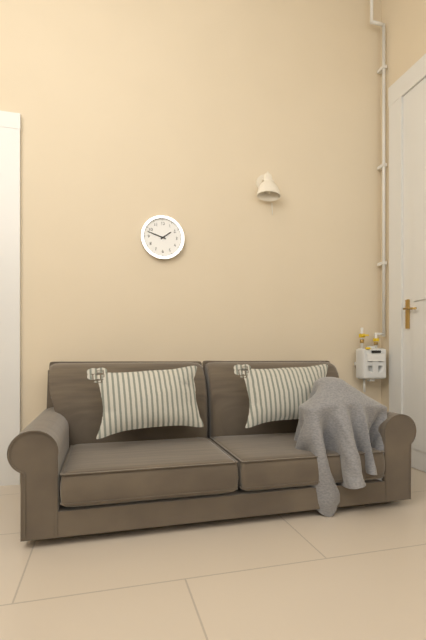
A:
1,48
